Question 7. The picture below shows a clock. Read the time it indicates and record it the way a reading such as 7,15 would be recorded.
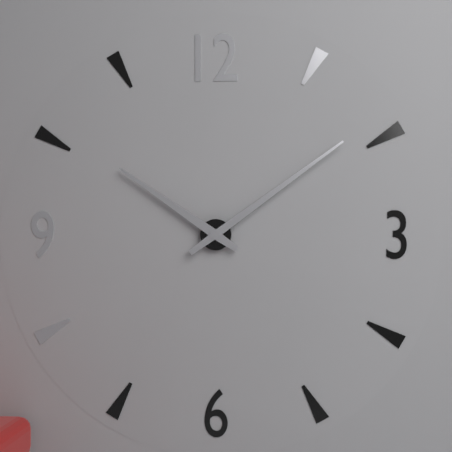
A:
10,09
